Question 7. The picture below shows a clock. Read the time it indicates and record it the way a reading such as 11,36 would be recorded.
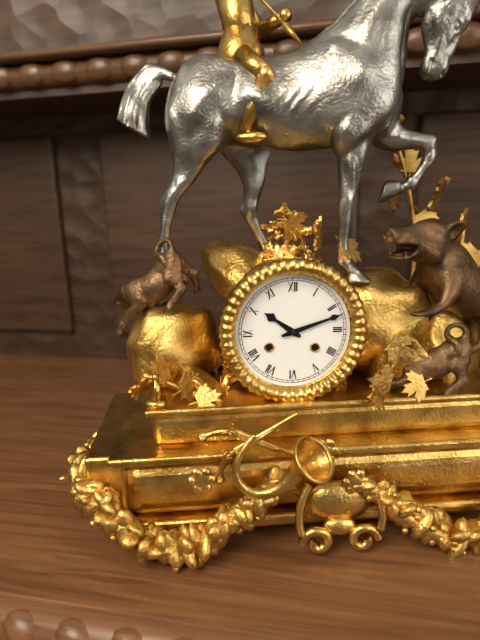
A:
10,12
